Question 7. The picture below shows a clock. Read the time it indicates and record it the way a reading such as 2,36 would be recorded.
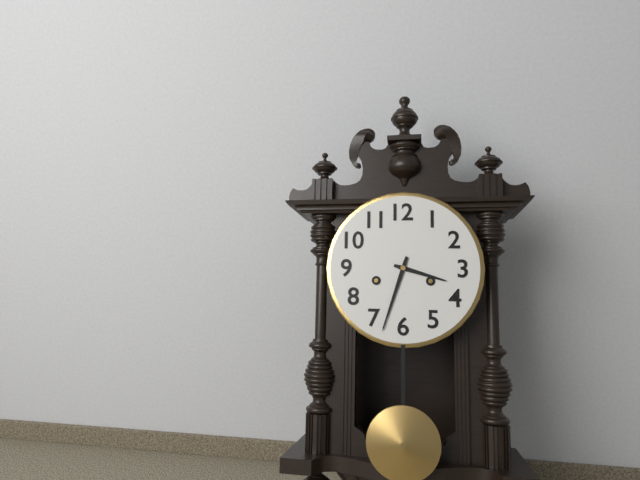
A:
3,33
